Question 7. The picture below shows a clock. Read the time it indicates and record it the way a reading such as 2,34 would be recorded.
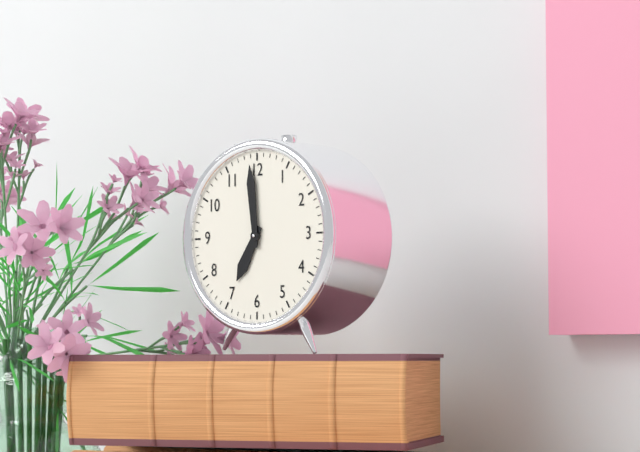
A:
6,59
